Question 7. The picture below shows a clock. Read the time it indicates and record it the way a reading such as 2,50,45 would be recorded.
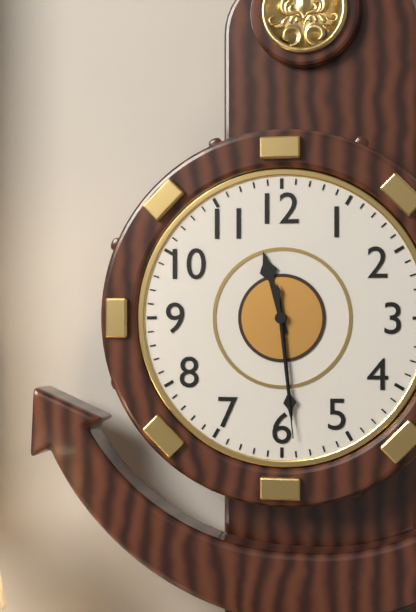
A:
11,29,29
